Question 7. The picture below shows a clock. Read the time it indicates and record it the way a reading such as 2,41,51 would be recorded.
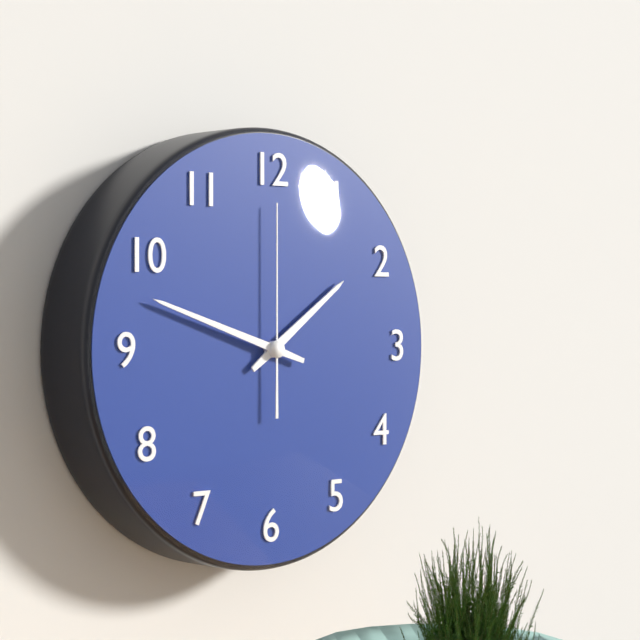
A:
1,48,00
